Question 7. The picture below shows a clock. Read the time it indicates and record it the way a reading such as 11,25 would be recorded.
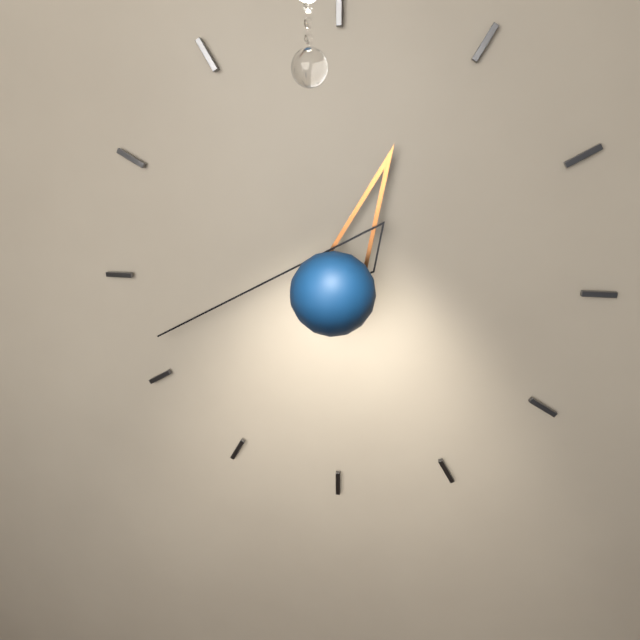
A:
12,42
